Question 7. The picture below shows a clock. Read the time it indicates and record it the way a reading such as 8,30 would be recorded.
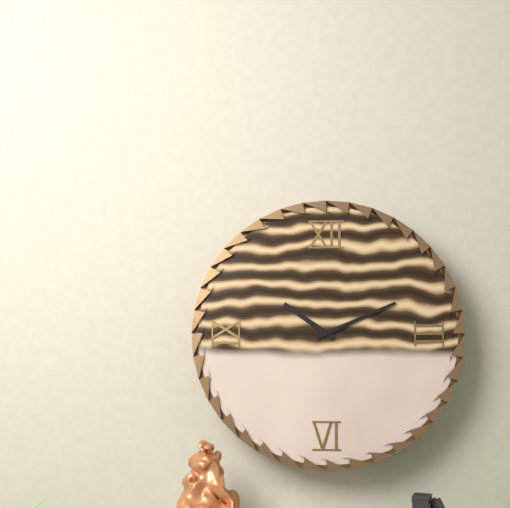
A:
10,11
